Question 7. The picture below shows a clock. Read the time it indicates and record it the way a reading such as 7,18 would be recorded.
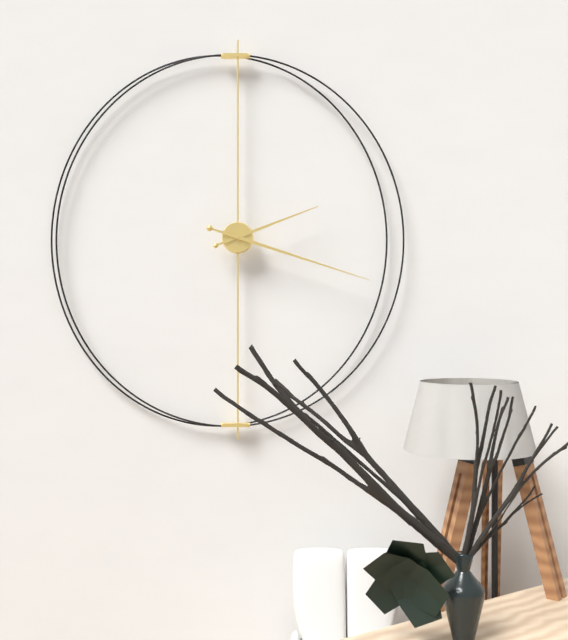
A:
2,18
